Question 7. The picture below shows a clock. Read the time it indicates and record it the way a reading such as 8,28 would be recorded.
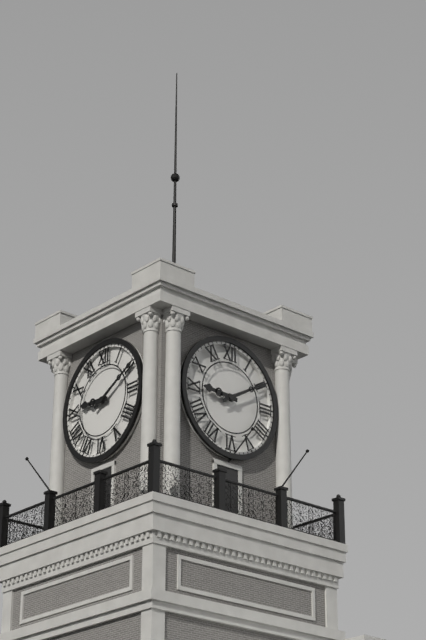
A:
9,10
